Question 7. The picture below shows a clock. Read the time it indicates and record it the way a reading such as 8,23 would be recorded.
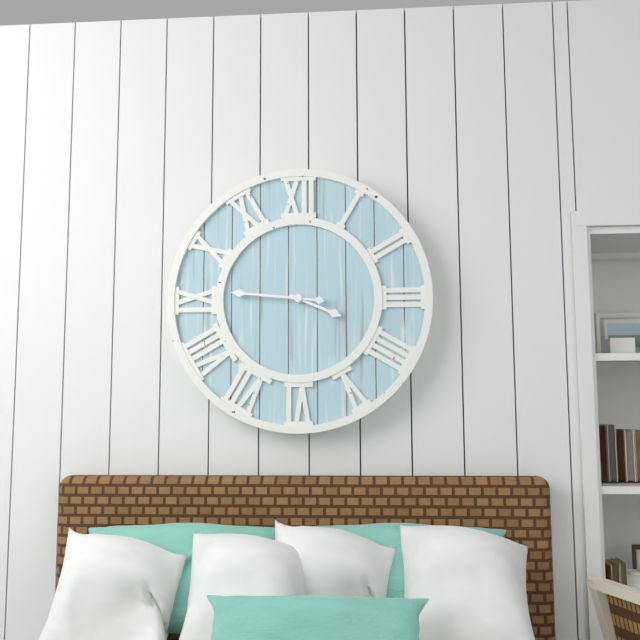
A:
3,46
